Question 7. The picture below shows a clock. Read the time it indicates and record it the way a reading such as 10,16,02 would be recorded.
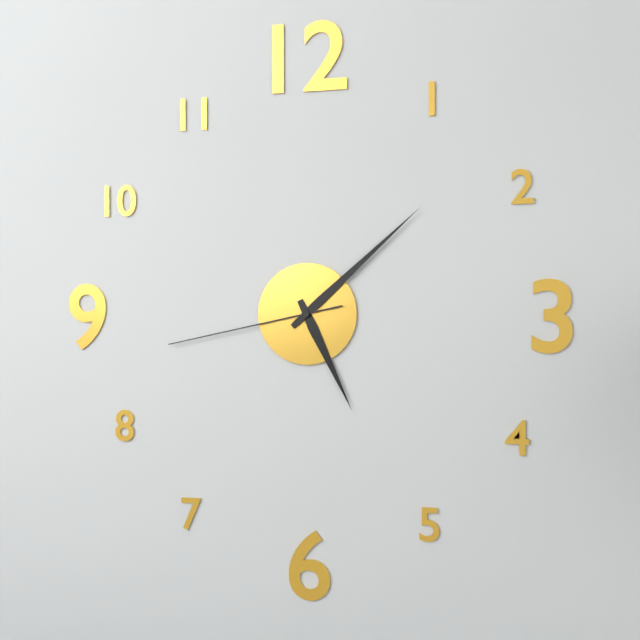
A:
5,08,43
